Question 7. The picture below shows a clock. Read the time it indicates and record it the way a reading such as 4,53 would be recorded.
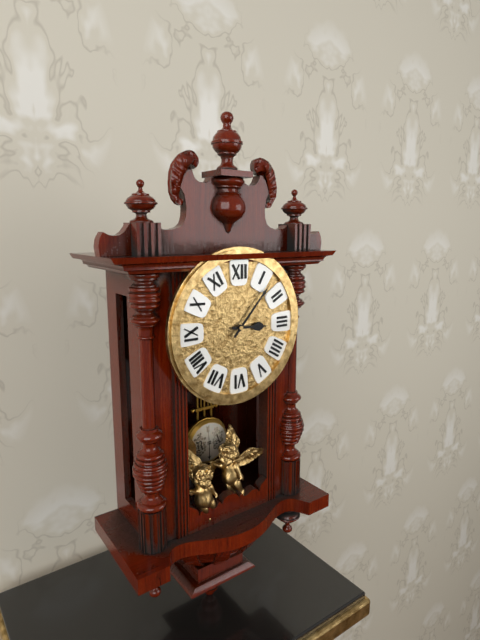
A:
3,07
